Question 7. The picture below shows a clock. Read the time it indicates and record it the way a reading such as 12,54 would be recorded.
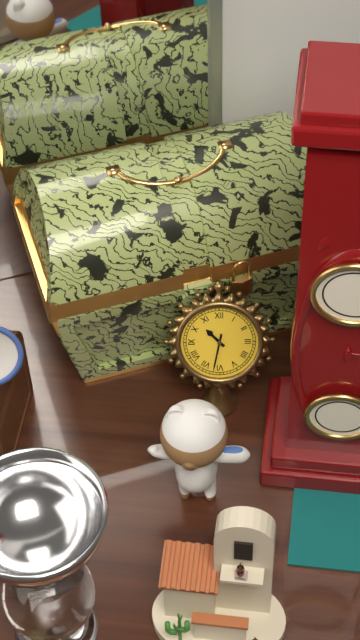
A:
10,32
